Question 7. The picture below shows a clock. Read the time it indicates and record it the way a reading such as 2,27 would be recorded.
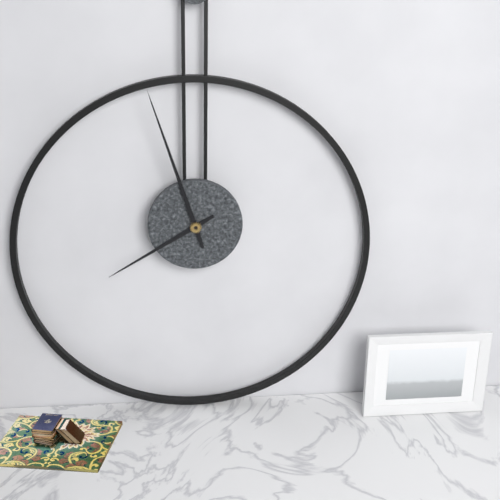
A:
7,57
